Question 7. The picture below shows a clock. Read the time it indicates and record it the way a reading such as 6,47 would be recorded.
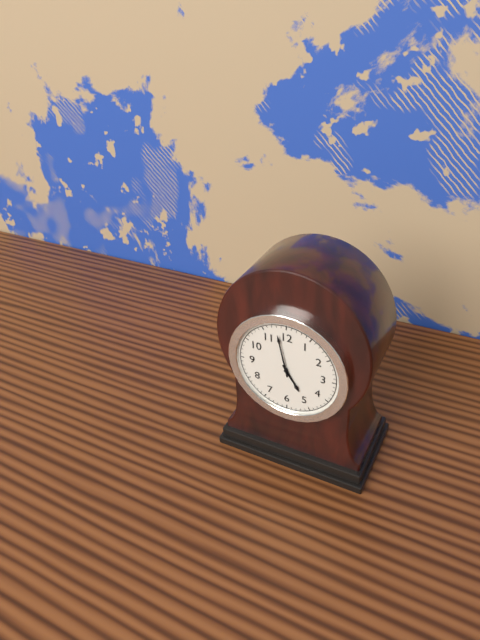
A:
4,58
